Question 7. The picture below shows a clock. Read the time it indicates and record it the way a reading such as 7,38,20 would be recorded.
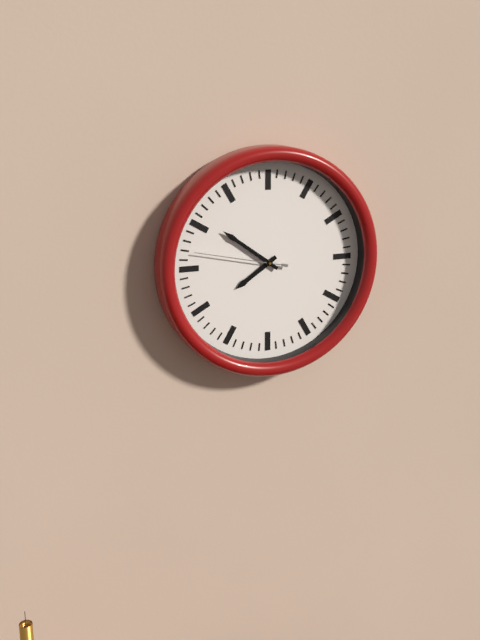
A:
7,51,47
